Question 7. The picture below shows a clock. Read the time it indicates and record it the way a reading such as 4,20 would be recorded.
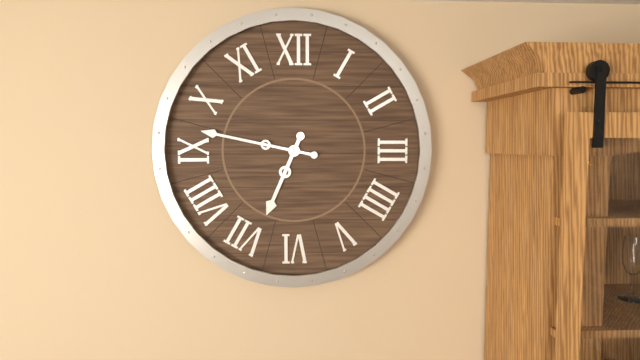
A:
6,47
